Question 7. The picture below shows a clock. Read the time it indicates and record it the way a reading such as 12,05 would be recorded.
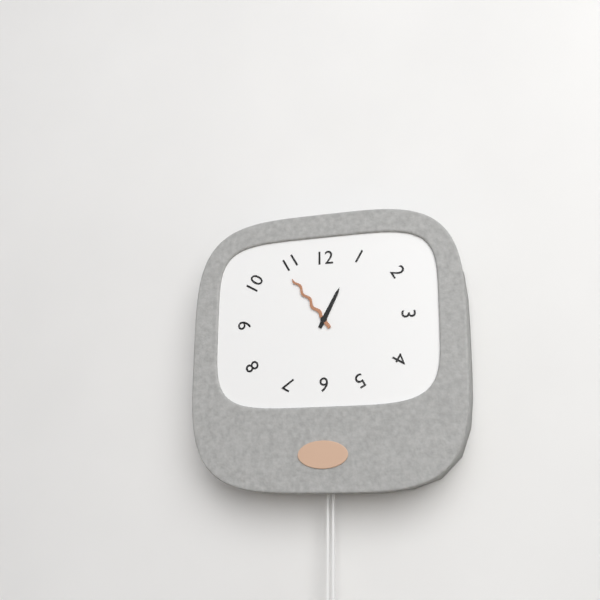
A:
12,54
